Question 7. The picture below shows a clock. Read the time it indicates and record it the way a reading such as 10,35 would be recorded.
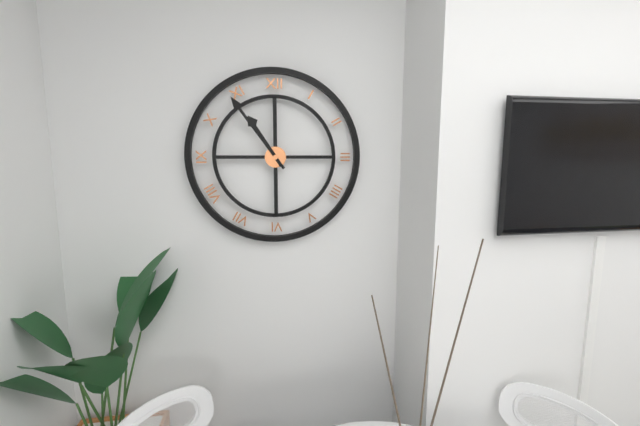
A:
10,54
